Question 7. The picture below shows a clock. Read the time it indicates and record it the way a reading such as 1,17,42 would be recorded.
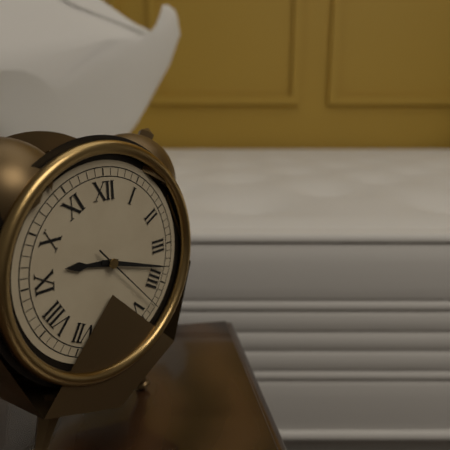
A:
9,18,23
